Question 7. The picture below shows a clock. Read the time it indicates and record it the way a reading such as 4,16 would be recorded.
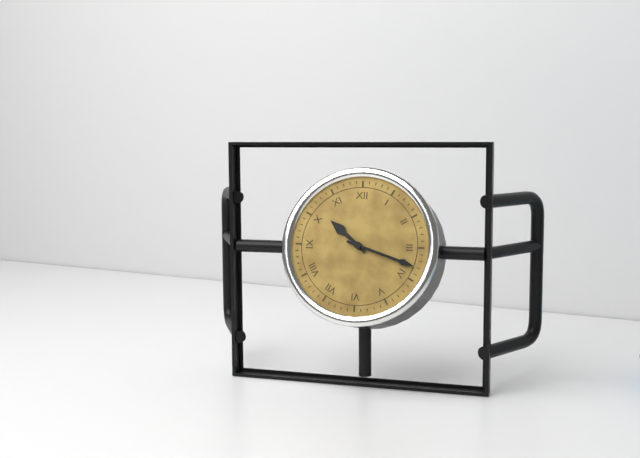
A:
10,18
